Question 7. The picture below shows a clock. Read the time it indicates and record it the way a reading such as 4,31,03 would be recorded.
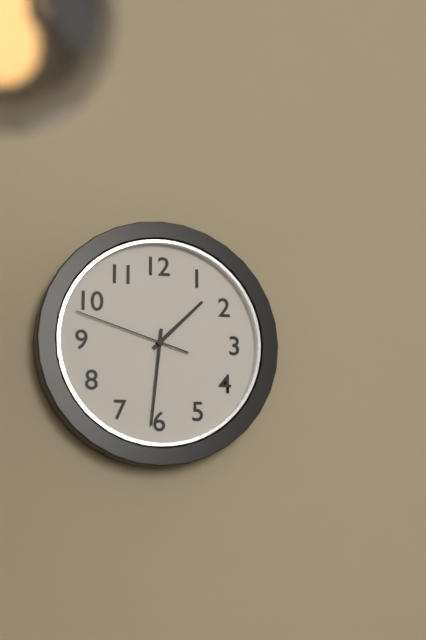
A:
1,31,48
